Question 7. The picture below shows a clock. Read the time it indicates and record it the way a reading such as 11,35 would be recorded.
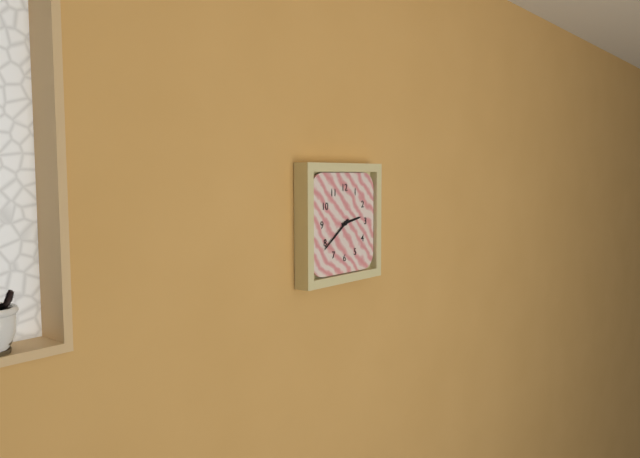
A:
2,39
